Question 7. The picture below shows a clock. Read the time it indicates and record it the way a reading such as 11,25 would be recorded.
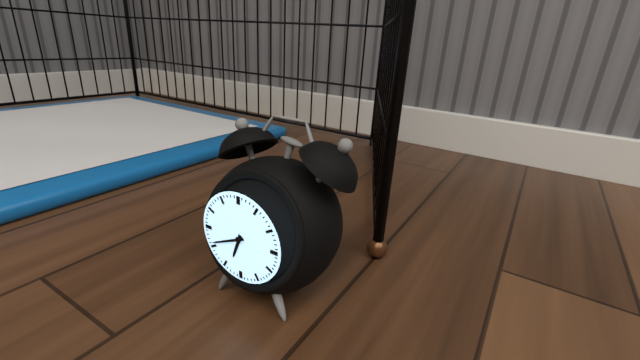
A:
6,41
